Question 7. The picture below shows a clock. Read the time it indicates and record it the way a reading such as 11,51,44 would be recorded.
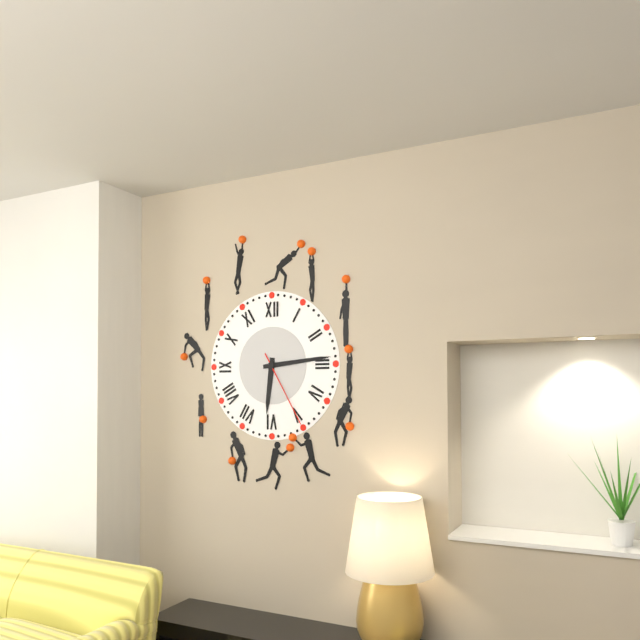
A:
6,14,25
